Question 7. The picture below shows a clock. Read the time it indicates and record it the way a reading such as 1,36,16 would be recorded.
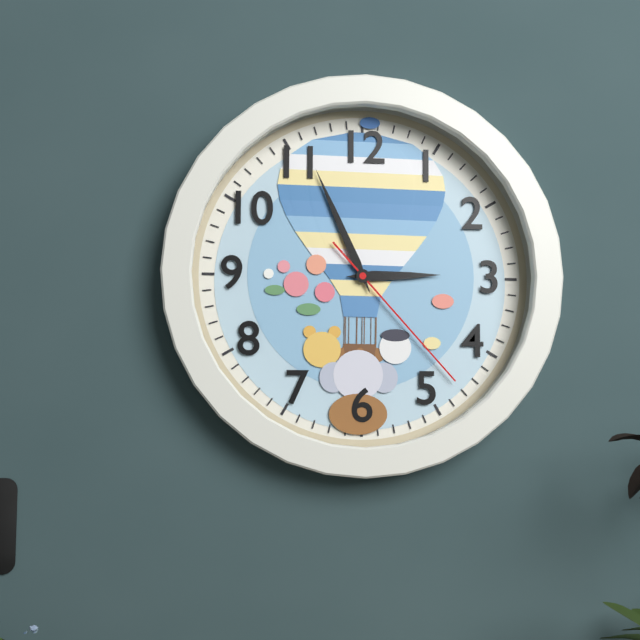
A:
2,56,23
